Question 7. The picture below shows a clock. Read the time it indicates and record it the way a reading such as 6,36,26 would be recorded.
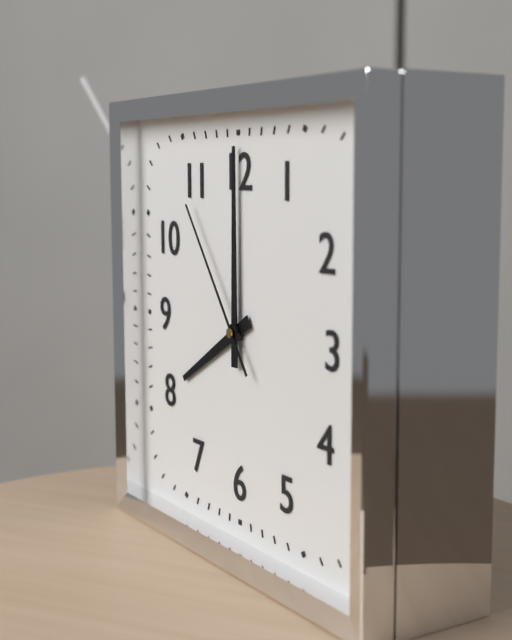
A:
8,00,54
